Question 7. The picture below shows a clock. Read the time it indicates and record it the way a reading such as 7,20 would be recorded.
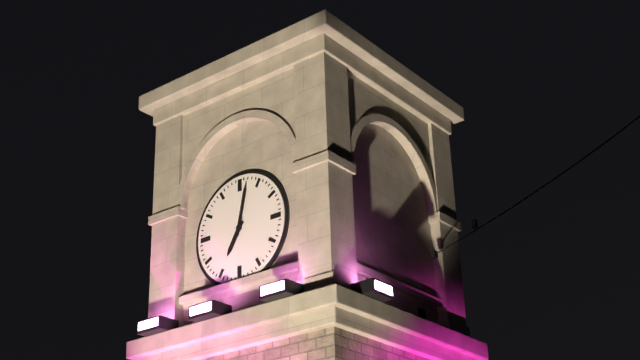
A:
7,02
